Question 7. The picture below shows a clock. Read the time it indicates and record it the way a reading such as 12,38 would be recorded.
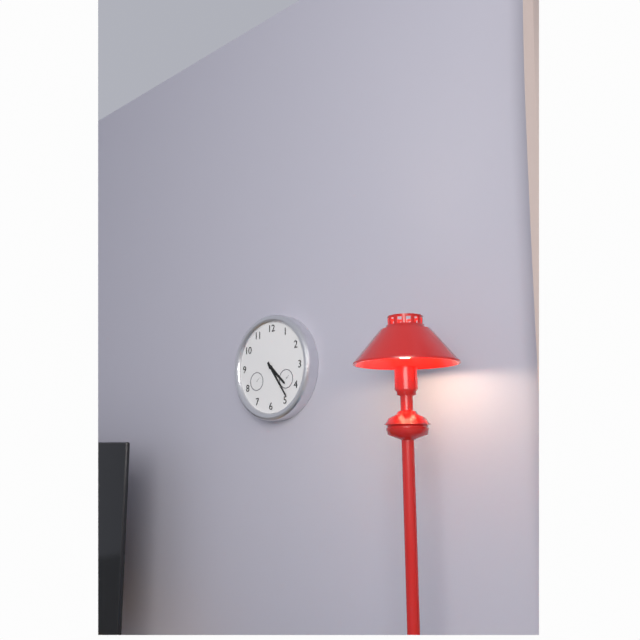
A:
4,24
